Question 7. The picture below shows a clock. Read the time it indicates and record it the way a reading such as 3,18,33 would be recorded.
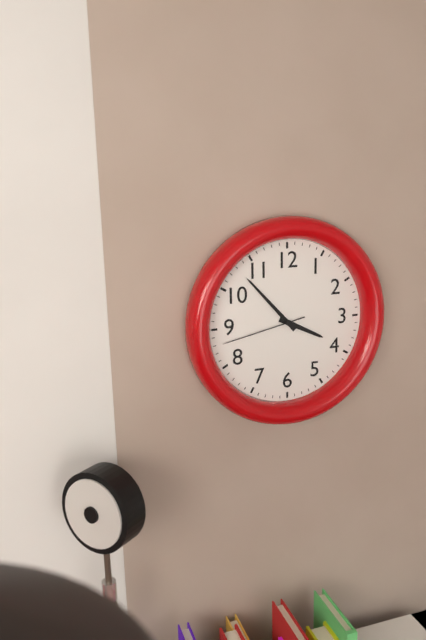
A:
3,53,43
